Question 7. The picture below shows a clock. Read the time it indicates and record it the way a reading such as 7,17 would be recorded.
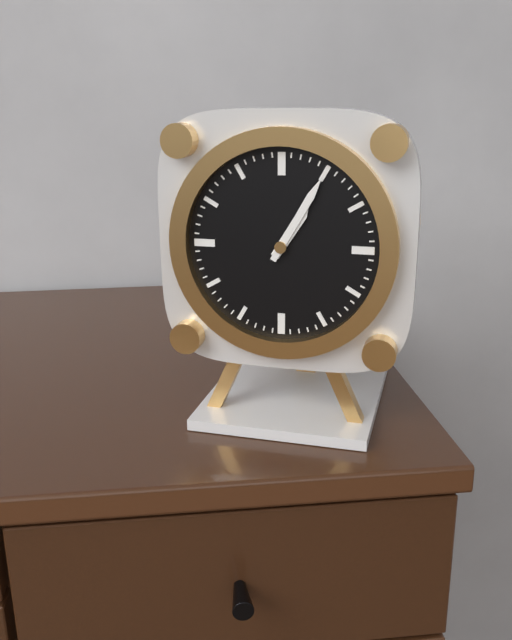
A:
1,05
